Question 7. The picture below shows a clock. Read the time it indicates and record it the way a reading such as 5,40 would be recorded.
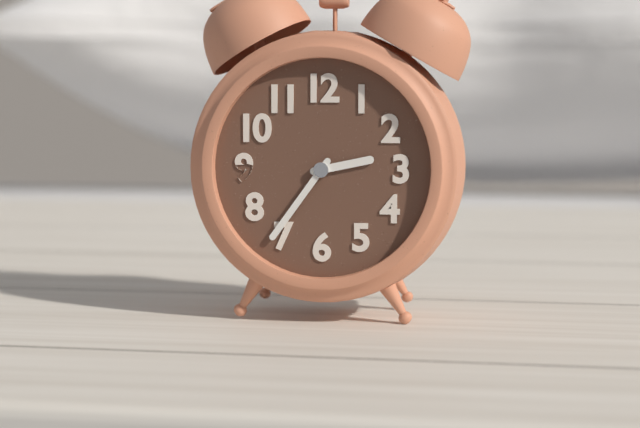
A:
2,36
